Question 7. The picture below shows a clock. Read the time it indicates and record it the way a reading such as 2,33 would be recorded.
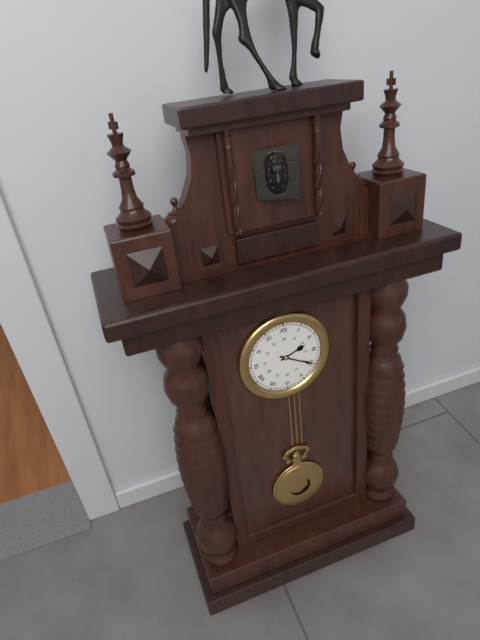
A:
2,20
